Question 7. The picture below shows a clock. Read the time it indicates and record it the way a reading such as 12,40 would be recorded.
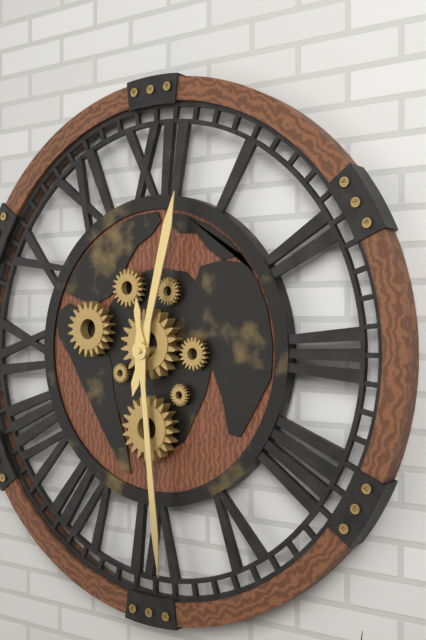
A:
12,29
